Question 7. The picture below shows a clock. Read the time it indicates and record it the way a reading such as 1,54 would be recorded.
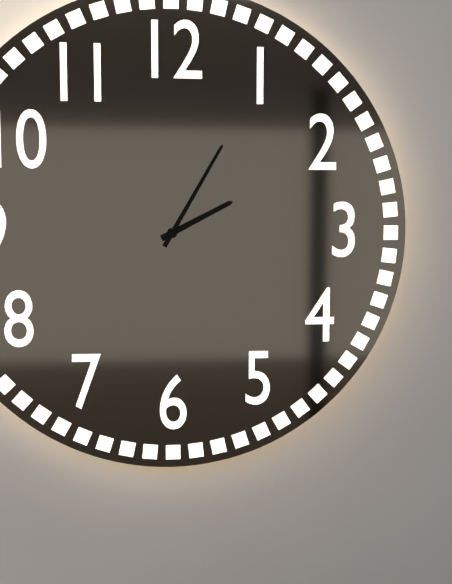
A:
2,05
